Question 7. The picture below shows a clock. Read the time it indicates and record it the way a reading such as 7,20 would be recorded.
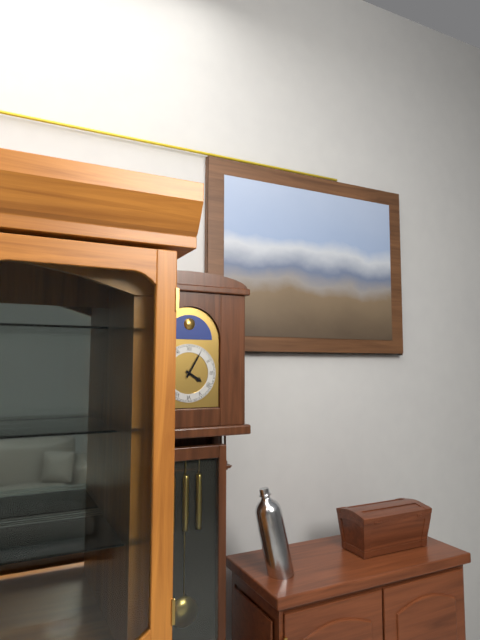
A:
4,05
